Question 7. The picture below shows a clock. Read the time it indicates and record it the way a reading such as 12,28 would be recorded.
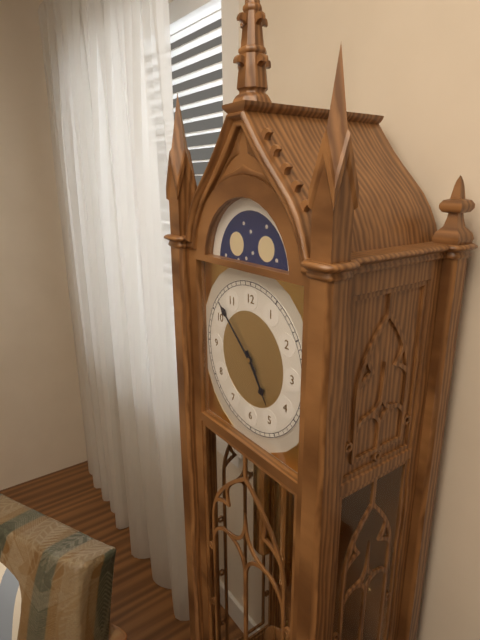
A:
4,52
